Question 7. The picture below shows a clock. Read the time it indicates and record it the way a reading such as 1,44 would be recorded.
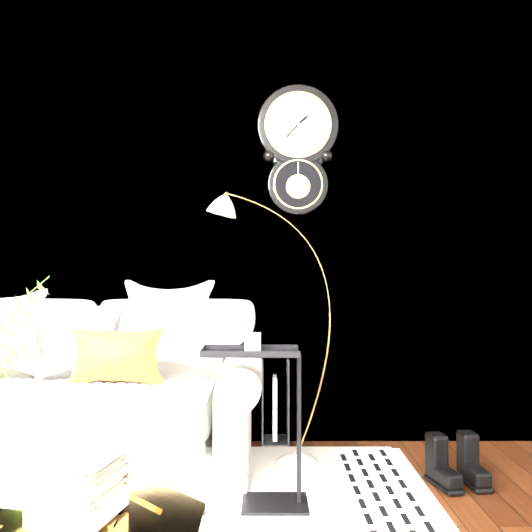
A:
1,37
